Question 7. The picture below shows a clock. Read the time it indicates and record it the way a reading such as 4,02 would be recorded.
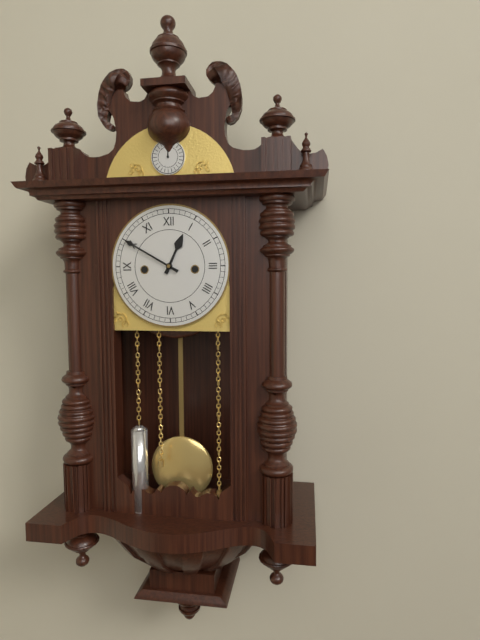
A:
12,50
